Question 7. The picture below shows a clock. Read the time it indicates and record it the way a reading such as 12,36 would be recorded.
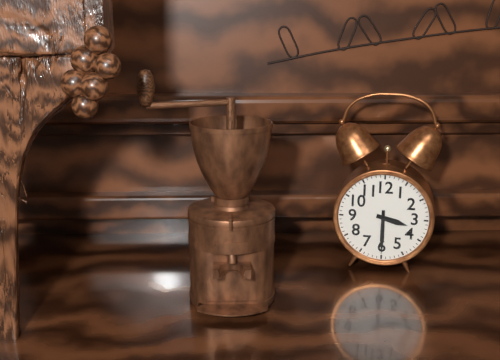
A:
3,30
